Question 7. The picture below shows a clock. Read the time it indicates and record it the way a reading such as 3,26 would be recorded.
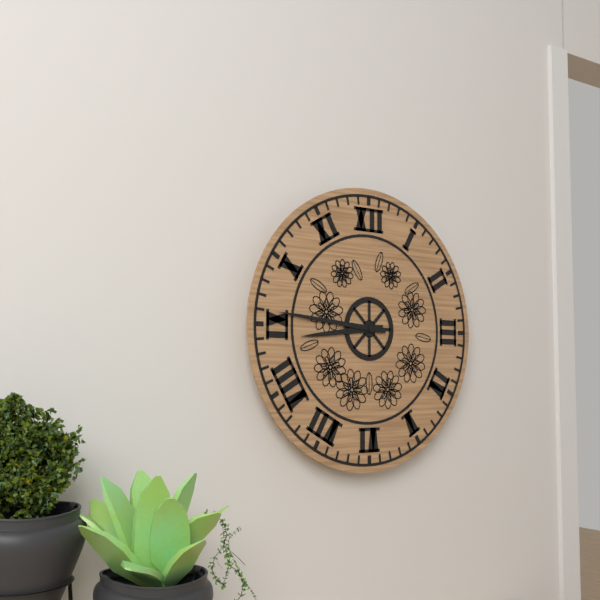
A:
8,46
